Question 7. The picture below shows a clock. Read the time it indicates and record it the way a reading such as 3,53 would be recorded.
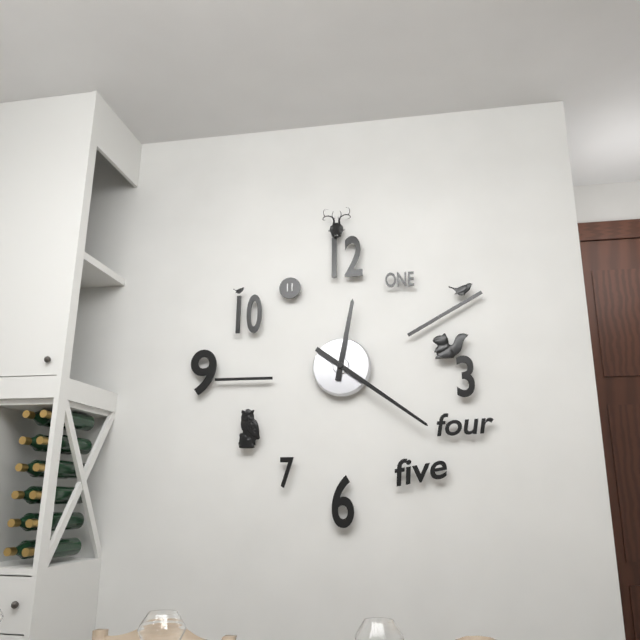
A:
12,21
